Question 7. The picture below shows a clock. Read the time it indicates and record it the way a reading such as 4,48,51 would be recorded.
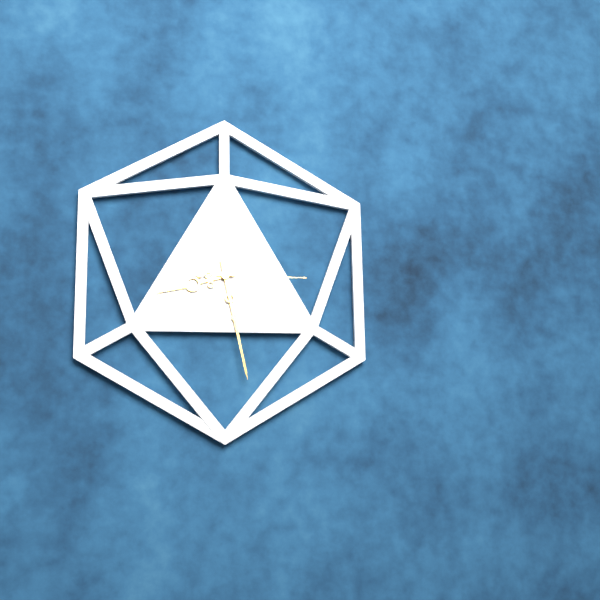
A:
8,28,15
